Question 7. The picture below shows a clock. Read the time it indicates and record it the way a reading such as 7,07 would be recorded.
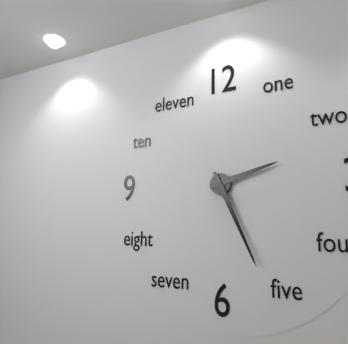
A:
2,26
